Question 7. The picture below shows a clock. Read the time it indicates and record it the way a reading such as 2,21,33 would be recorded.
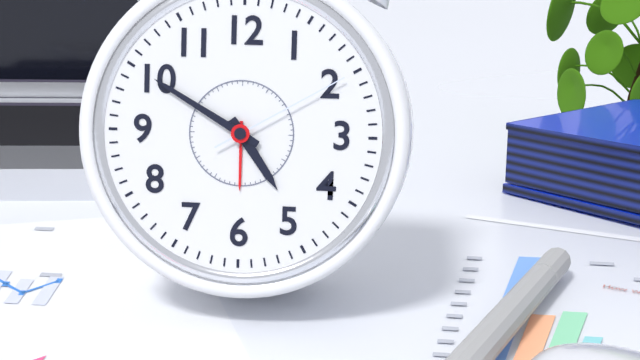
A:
4,50,10
